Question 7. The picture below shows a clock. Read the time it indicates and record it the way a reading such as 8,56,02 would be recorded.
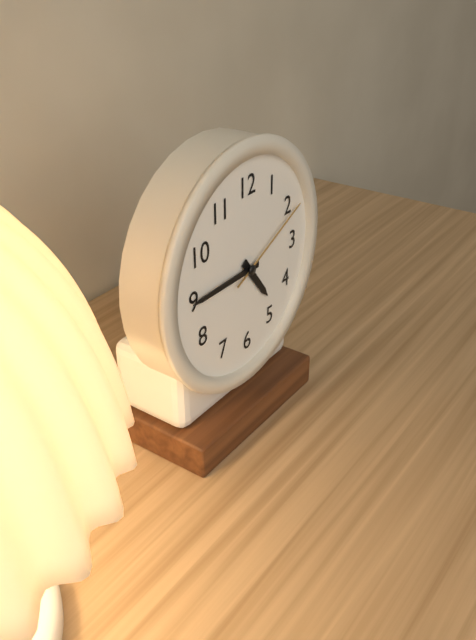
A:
4,45,11
